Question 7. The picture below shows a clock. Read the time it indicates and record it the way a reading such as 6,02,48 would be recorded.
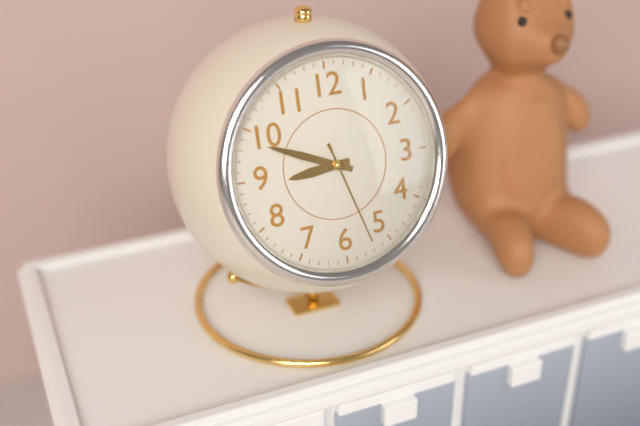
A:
8,49,27
